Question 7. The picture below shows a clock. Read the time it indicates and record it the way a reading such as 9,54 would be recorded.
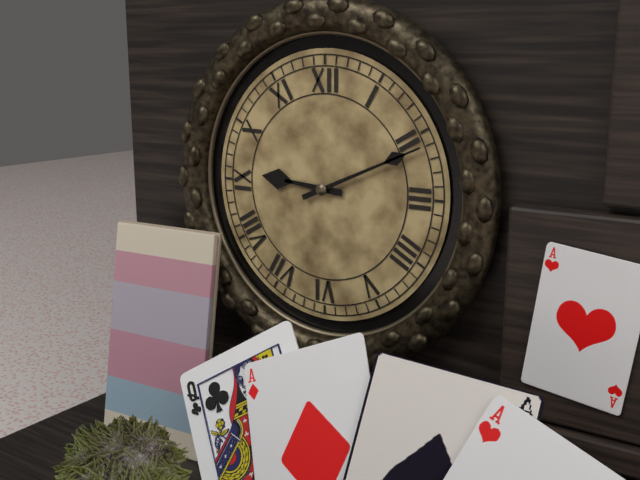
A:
9,11
